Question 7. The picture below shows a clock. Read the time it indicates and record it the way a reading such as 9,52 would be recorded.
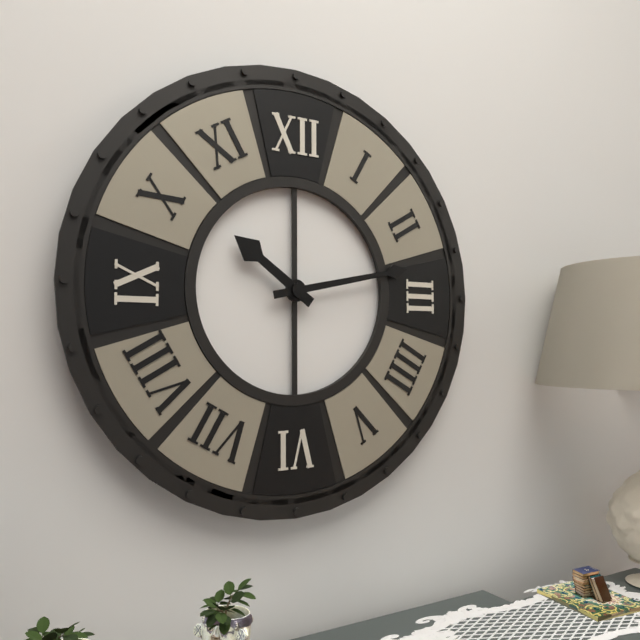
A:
10,13
